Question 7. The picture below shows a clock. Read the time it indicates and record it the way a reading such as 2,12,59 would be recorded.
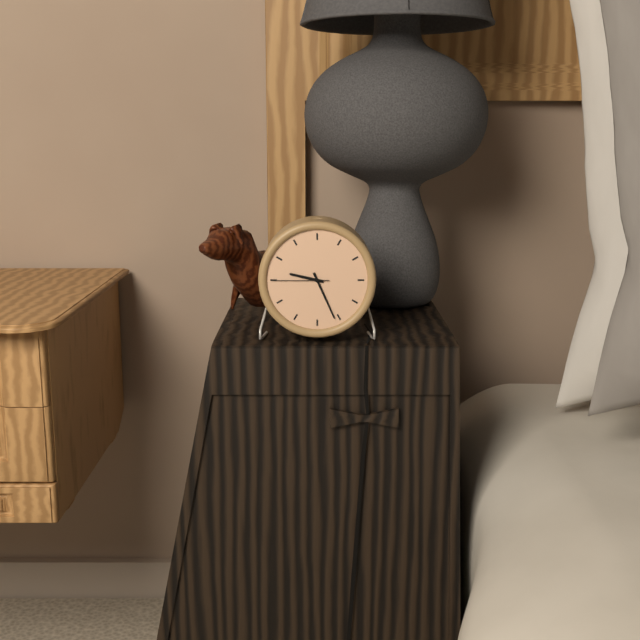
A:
9,26,45
